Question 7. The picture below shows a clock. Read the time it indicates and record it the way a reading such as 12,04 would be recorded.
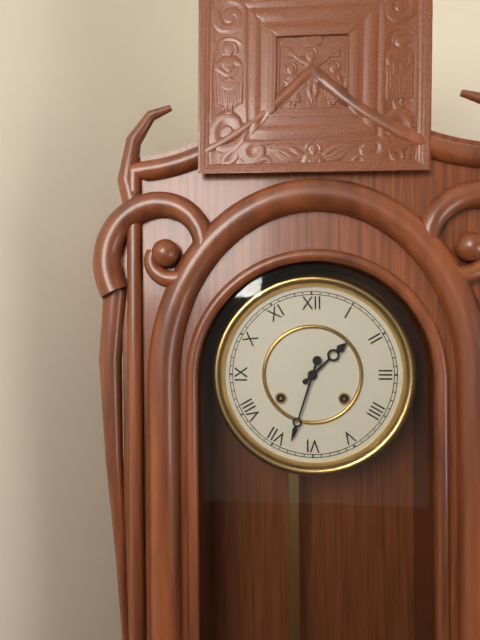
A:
1,33
